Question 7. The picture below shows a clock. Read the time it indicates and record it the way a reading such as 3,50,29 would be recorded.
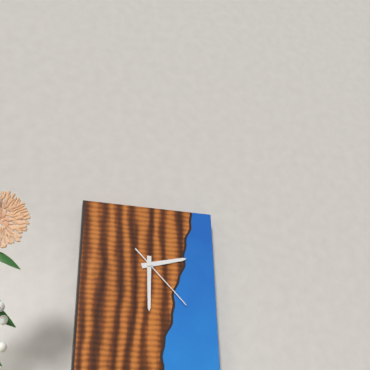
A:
2,30,23
